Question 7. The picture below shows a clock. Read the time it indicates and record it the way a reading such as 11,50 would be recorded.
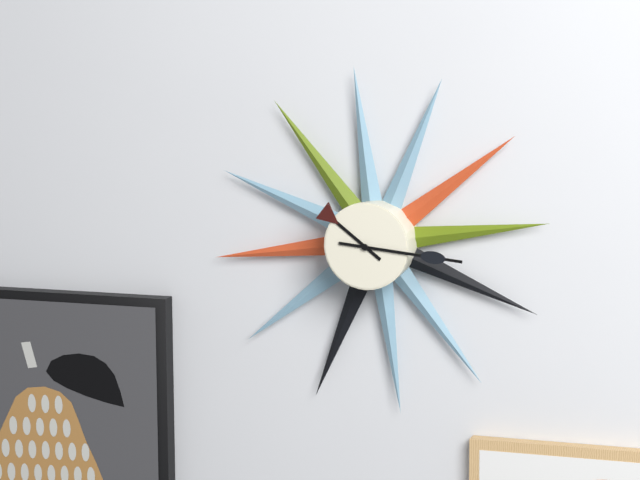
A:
10,16
